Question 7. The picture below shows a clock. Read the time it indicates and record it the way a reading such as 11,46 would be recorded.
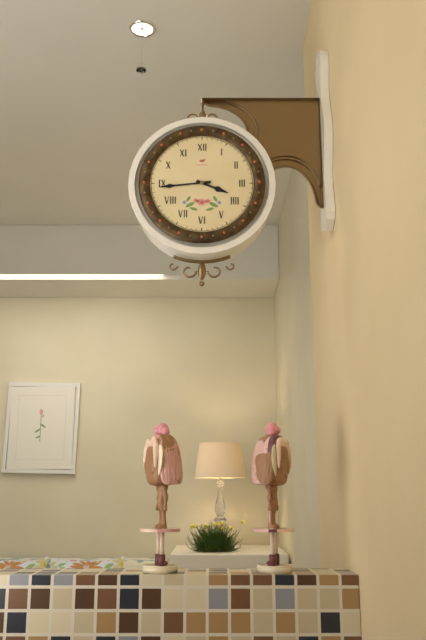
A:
3,44
